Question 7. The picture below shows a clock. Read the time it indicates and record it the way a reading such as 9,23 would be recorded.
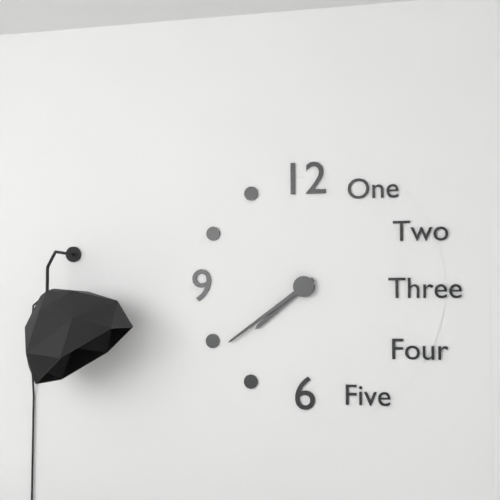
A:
7,39
